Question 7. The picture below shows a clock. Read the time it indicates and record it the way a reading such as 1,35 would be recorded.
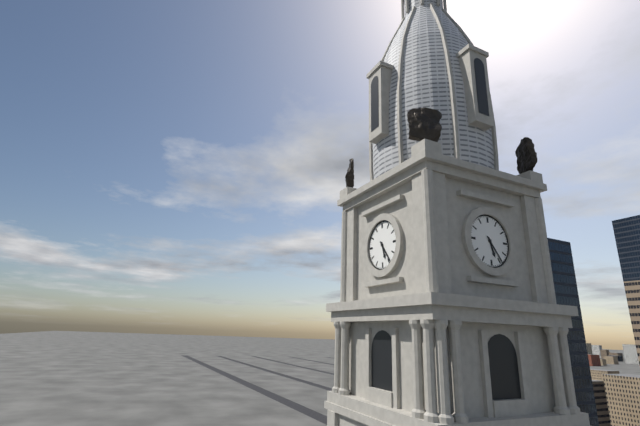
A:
5,24
